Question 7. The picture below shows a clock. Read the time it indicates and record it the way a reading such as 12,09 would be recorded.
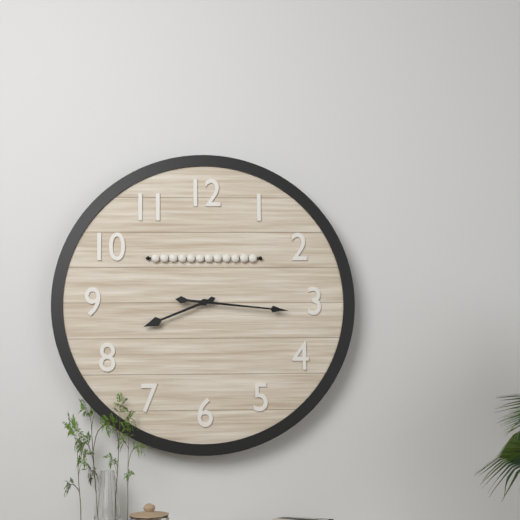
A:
8,16
